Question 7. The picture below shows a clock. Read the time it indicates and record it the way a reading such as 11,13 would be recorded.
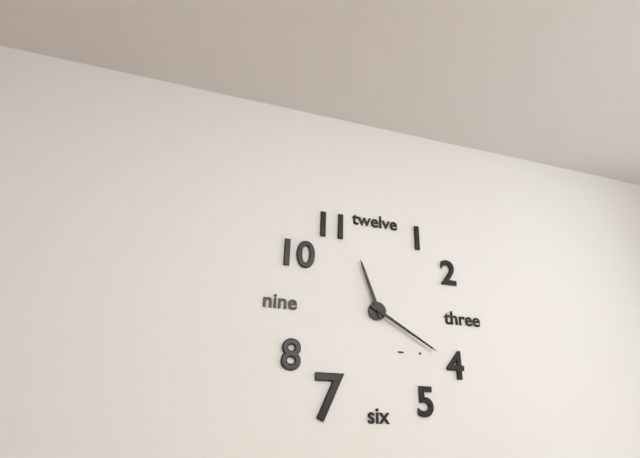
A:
11,20
